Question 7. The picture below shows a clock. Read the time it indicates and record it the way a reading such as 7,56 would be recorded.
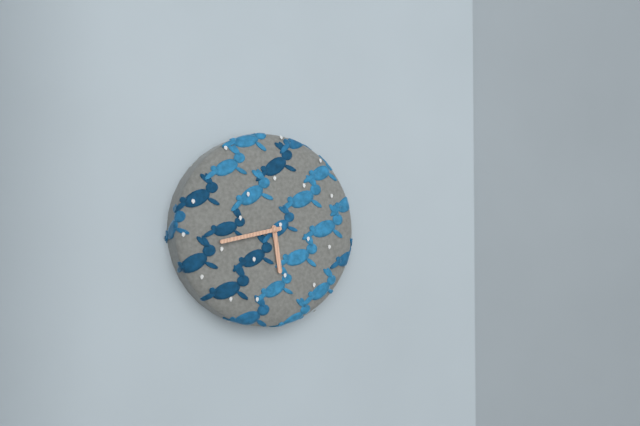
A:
5,43
